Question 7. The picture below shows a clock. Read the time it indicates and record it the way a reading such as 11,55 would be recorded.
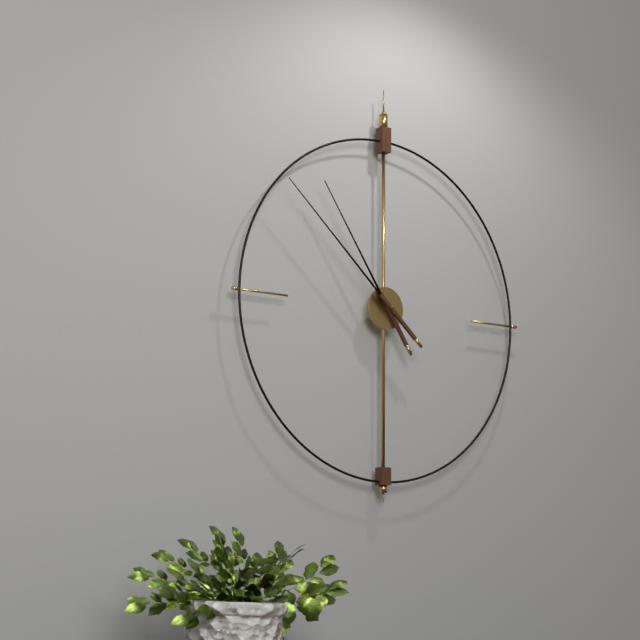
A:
10,52
